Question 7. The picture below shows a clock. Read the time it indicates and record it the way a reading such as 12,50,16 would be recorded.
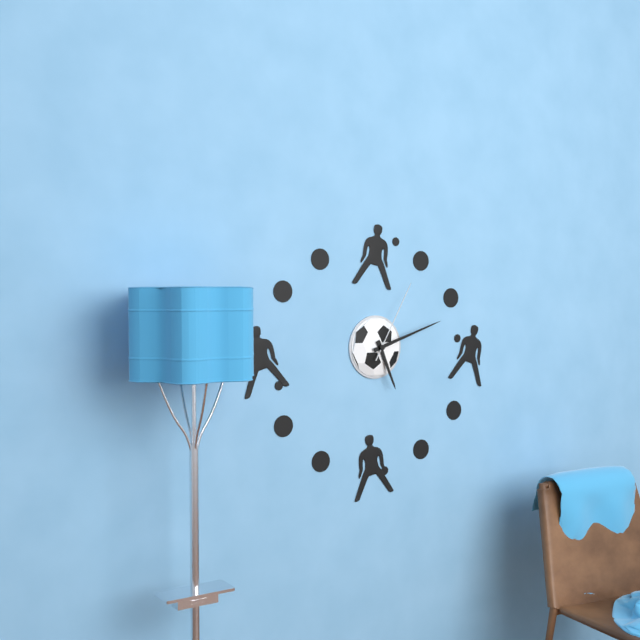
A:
5,12,05
